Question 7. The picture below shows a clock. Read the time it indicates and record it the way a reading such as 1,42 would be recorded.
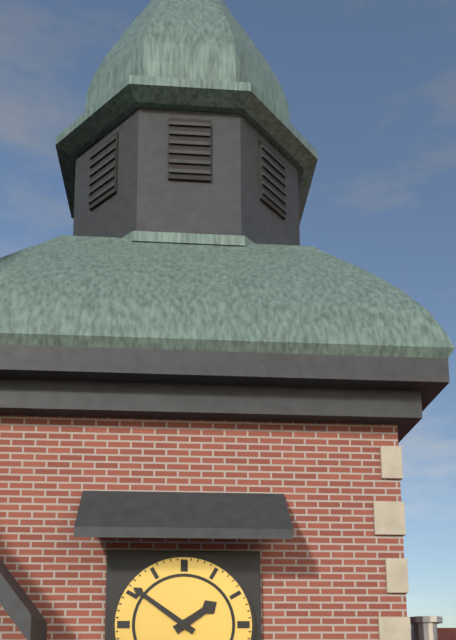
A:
1,51
